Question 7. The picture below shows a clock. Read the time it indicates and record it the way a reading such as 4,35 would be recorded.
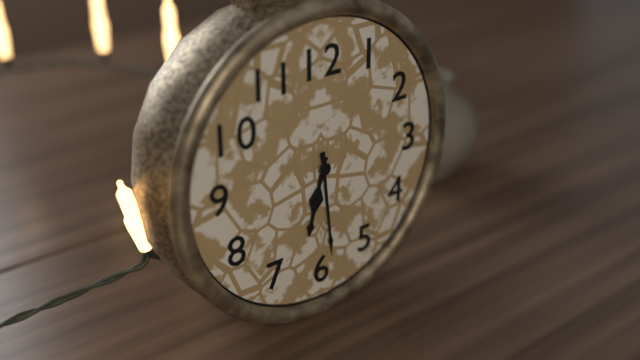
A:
6,29
